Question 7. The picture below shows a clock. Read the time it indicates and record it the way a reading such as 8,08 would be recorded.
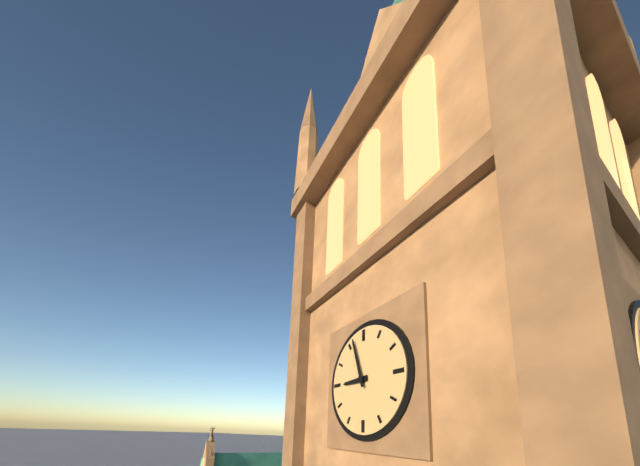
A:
8,57
